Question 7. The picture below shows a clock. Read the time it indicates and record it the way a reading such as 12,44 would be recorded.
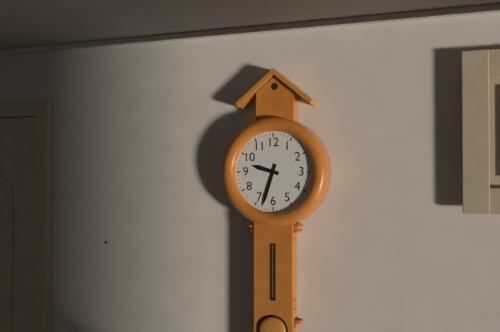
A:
9,33
